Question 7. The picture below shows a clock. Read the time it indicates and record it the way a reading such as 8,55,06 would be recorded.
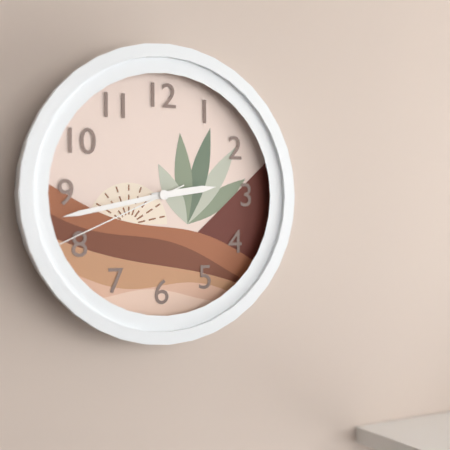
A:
2,43,41
